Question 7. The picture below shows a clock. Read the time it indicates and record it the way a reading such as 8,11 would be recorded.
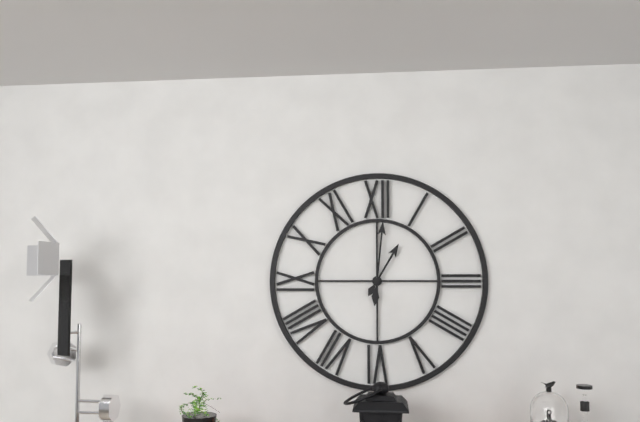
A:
1,01
